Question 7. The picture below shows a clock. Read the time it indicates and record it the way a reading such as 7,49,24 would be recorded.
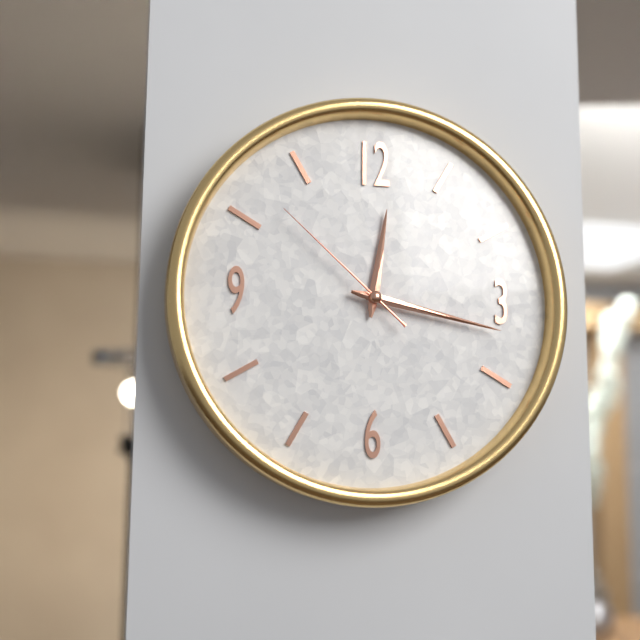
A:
12,17,52
